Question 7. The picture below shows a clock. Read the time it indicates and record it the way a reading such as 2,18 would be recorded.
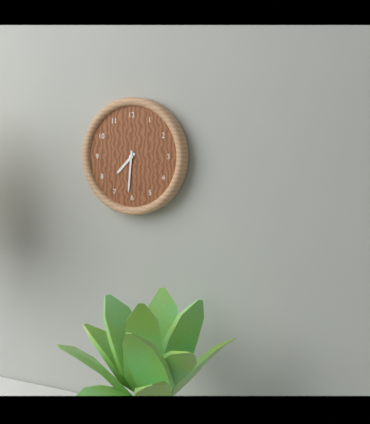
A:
7,31
